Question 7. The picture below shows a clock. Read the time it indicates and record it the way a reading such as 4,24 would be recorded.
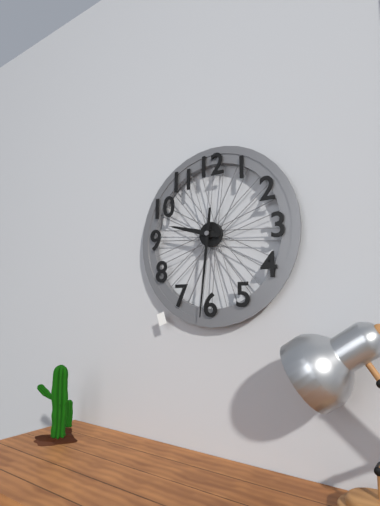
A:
9,31
